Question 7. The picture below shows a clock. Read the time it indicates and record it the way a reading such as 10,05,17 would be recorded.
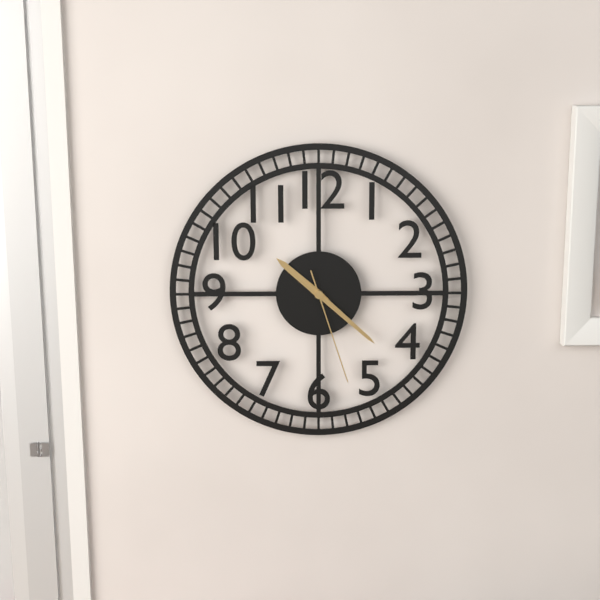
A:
10,22,27
